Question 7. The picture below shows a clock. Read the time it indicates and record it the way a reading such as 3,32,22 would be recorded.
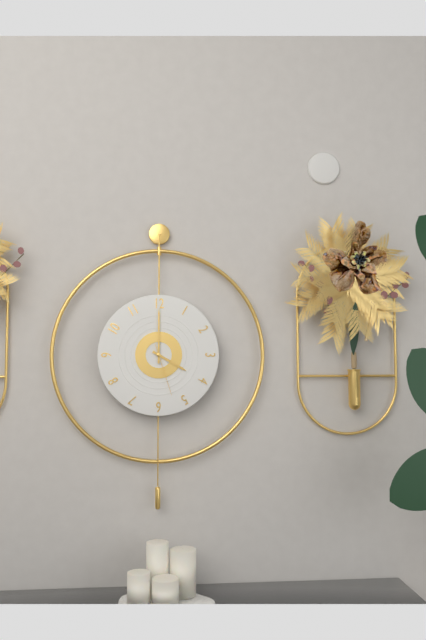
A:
4,00,27
